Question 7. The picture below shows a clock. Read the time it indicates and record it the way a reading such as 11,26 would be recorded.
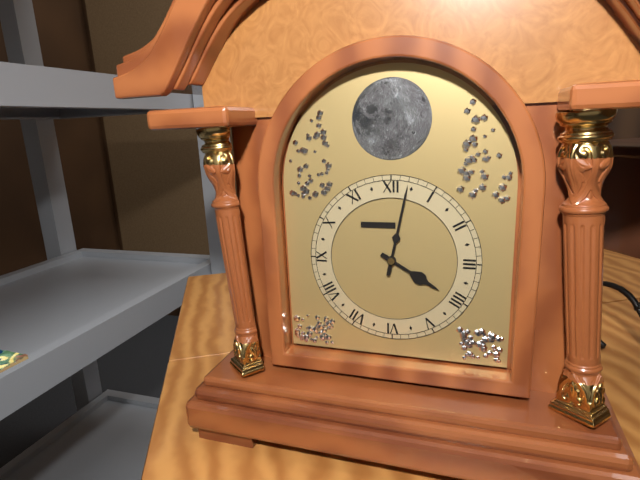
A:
4,02
